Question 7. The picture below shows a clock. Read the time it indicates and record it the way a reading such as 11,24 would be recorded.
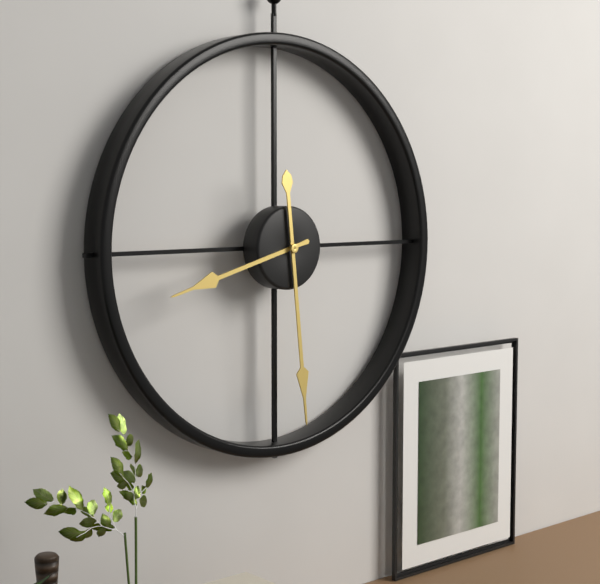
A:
8,29
